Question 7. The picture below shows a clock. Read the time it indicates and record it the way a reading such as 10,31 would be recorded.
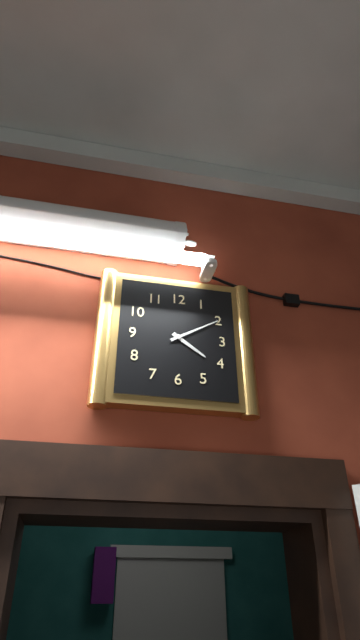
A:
4,10
